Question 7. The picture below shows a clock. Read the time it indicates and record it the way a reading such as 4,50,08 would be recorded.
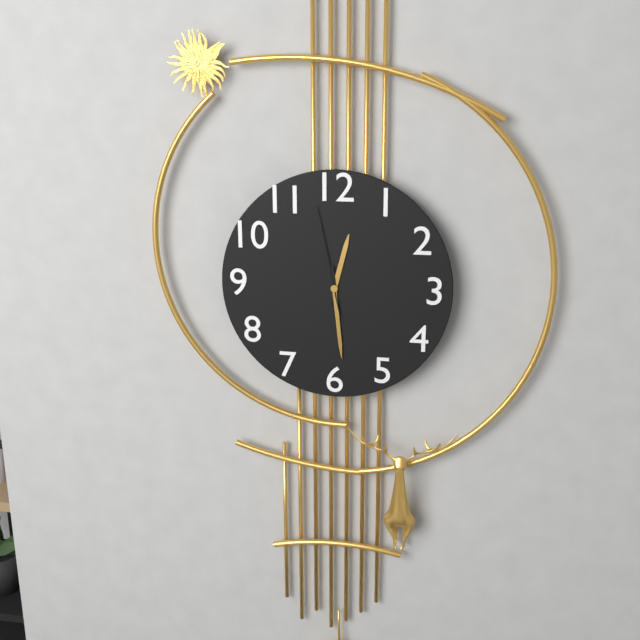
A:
12,29,58
